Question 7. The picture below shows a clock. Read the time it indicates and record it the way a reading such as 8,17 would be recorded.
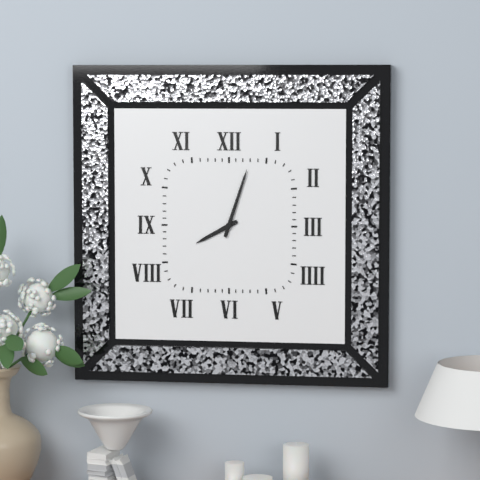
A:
8,03
